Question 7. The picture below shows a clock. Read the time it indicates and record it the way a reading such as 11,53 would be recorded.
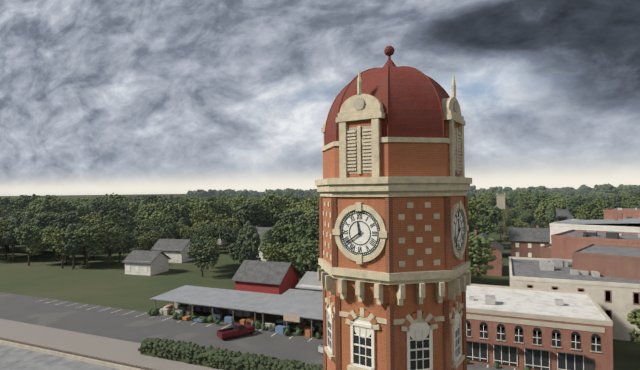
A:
11,39
